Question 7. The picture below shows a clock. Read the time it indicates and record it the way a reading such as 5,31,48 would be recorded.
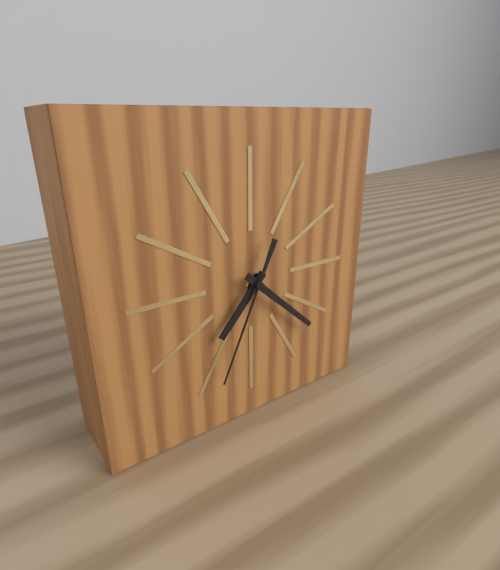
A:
7,22,34
